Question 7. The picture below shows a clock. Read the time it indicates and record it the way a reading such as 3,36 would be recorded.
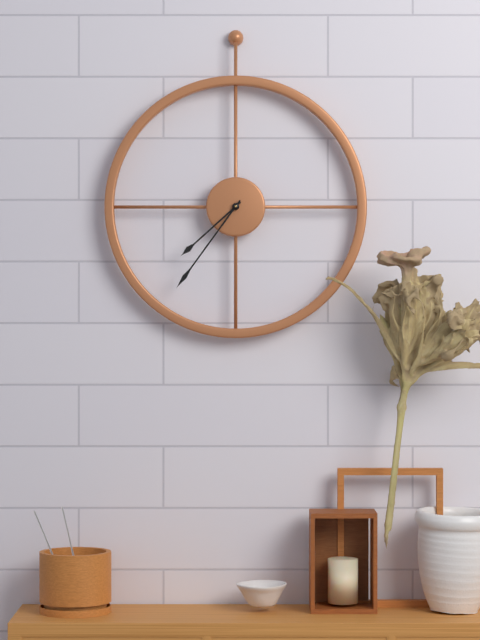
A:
7,36
